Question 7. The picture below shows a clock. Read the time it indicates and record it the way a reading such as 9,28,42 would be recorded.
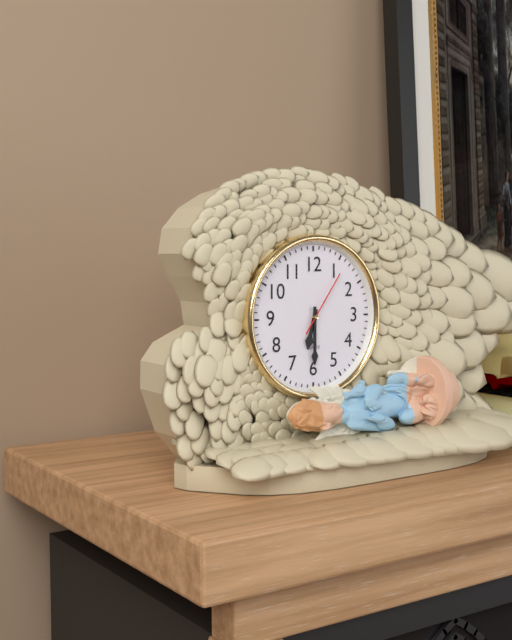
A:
6,30,06
